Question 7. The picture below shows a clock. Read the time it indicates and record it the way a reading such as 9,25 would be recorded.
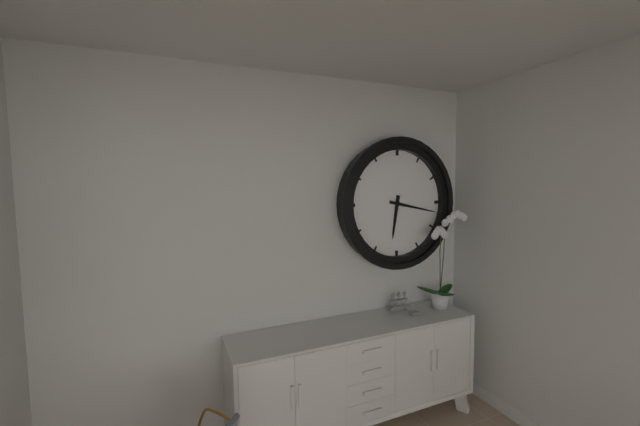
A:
6,17
